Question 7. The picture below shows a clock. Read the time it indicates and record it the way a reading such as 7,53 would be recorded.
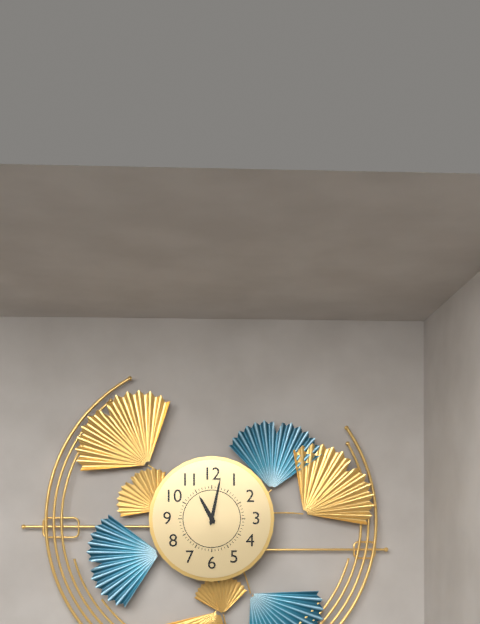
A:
11,02
